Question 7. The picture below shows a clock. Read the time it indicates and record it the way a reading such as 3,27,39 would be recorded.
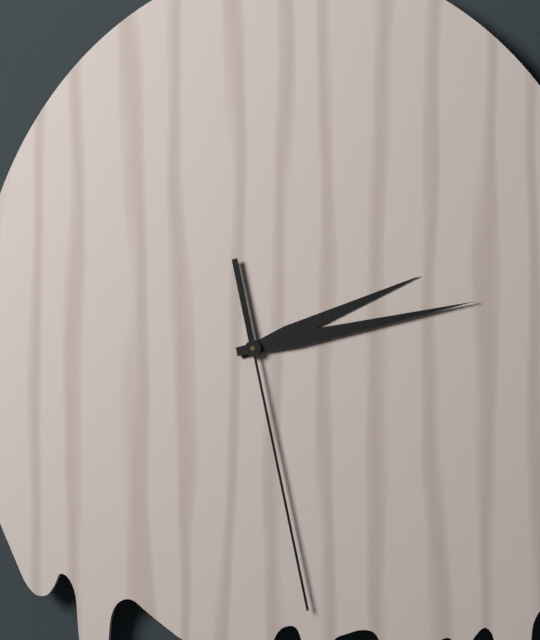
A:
2,13,28
